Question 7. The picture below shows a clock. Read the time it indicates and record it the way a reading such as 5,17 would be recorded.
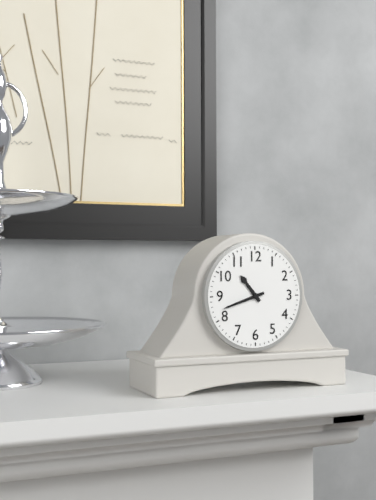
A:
10,42
